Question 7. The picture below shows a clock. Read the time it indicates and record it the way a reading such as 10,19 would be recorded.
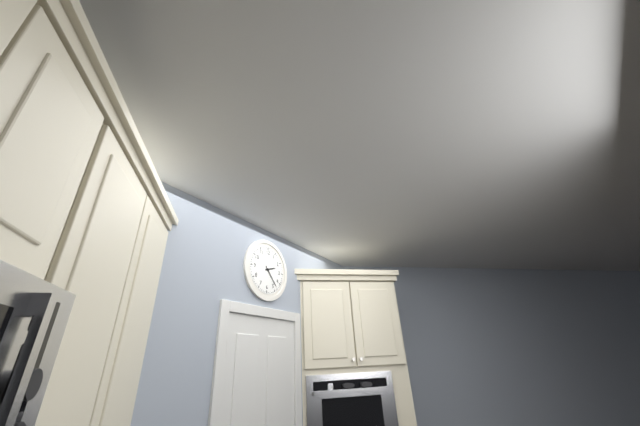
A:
2,23
